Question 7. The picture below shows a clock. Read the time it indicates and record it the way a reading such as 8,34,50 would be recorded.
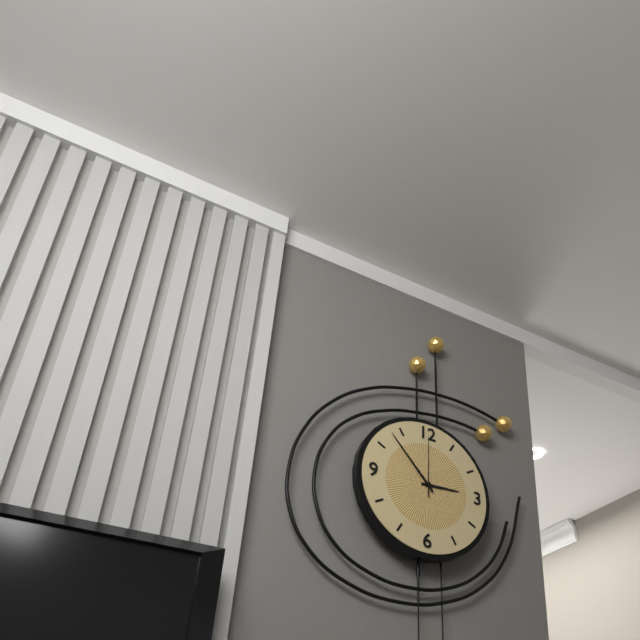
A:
2,53,00
